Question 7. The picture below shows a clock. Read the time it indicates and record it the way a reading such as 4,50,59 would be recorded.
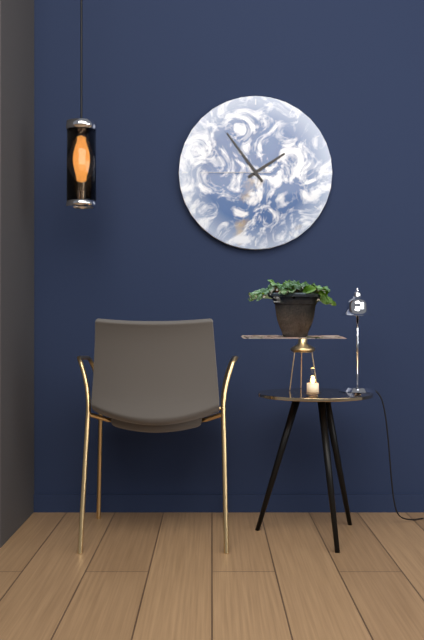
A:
1,54,45
